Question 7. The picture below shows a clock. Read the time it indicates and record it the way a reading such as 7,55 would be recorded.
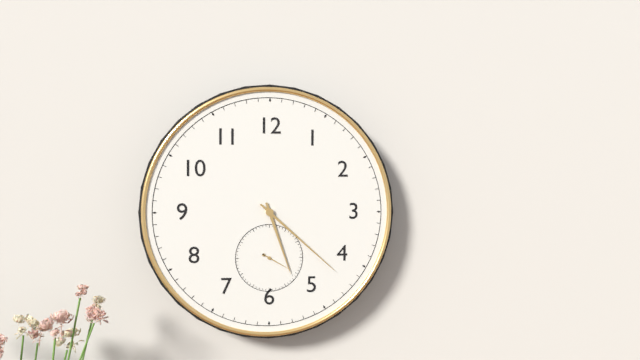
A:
5,22
